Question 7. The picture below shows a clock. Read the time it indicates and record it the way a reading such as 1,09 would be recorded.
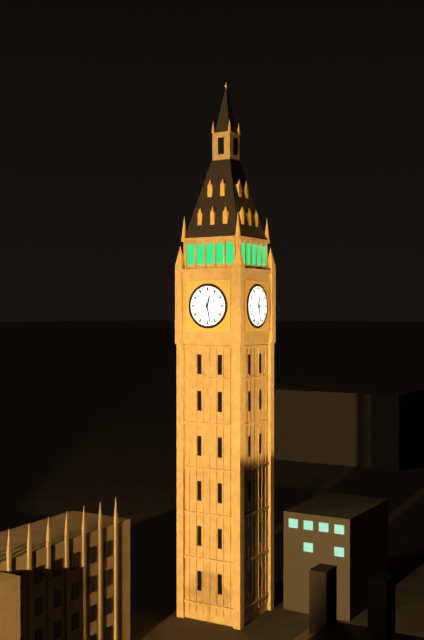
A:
12,28
